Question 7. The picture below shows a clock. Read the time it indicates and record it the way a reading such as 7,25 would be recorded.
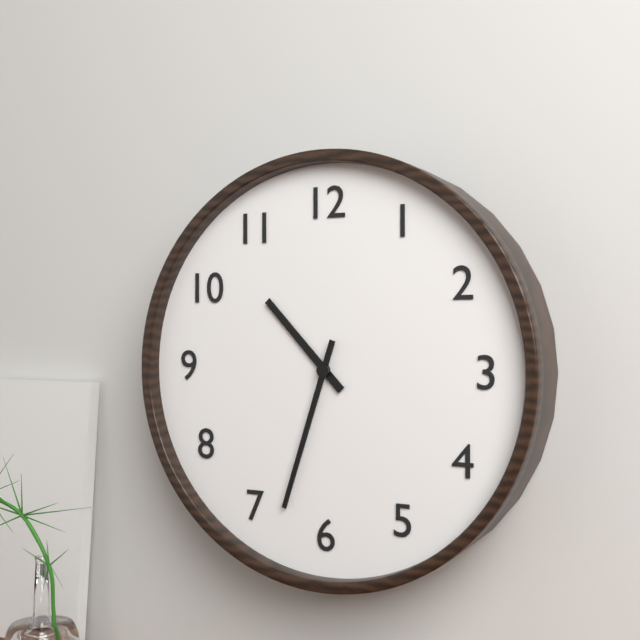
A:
10,33
